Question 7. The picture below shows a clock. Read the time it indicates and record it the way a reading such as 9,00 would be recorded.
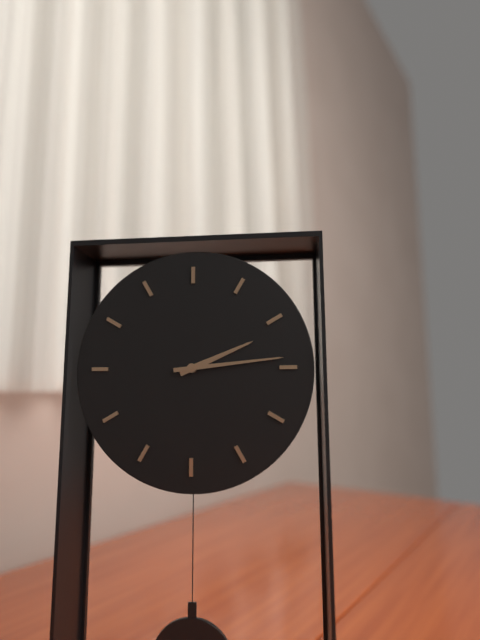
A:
2,14
